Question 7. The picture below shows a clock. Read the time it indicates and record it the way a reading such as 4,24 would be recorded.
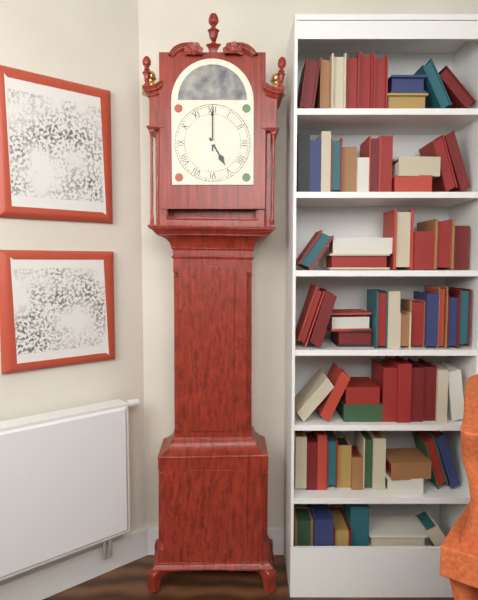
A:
5,00
